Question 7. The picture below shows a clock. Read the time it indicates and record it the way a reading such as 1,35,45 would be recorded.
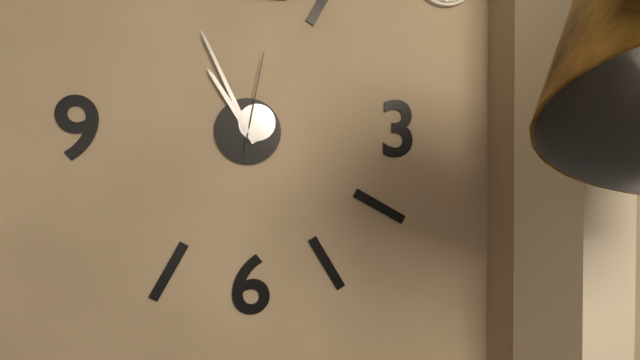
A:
10,56,02
